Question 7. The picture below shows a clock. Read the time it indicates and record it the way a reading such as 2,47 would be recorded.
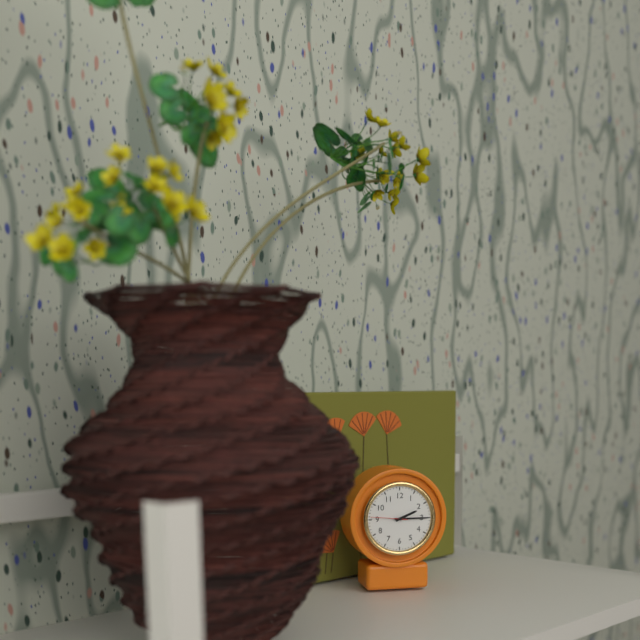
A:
2,15
